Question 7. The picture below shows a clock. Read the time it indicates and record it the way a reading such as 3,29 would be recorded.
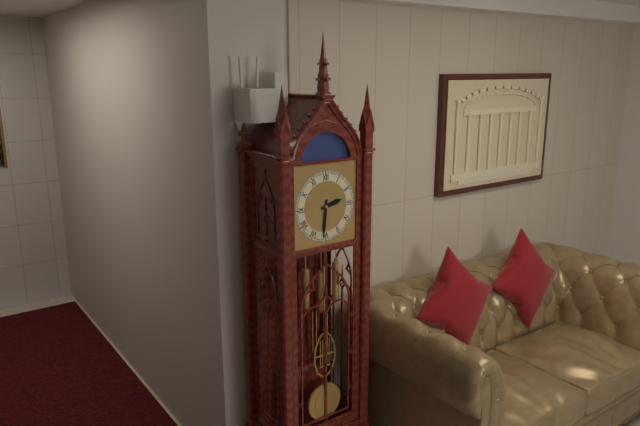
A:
2,31
